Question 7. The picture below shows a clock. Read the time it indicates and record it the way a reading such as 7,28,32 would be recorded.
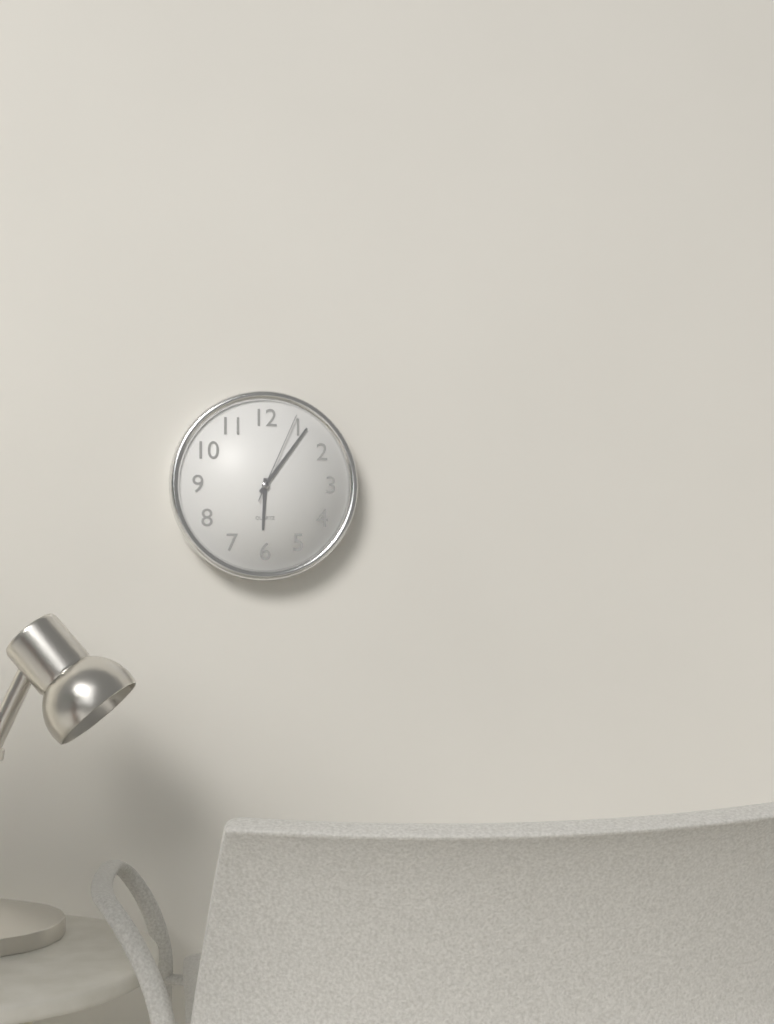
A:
6,06,04
